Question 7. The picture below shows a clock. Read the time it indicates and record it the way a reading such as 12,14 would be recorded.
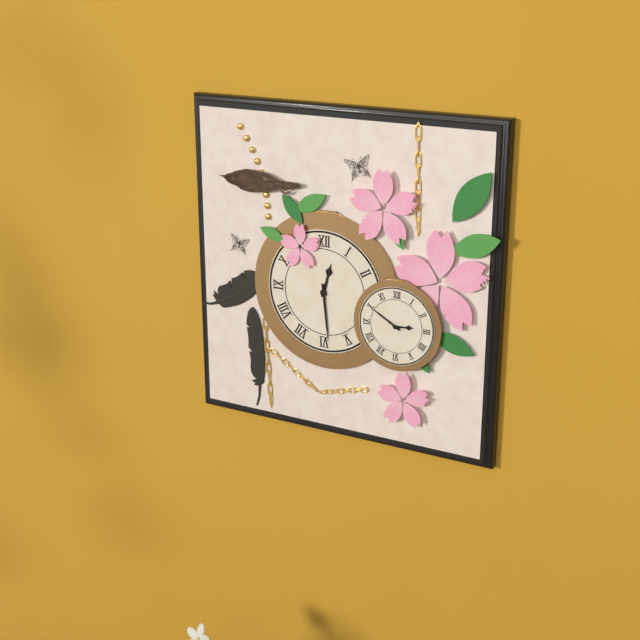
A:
12,29
